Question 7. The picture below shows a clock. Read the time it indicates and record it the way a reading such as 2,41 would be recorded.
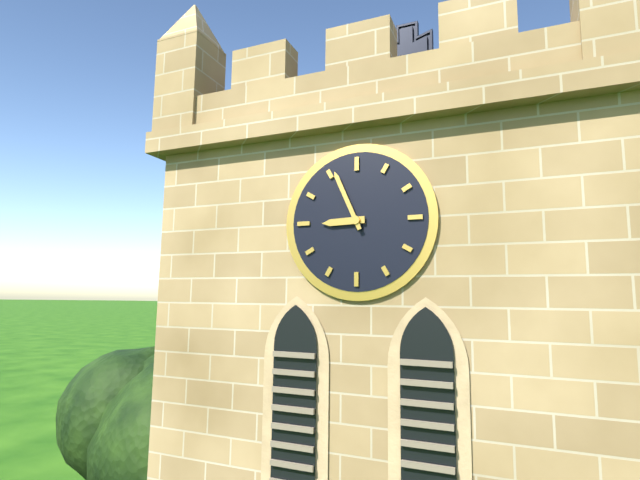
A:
8,56
